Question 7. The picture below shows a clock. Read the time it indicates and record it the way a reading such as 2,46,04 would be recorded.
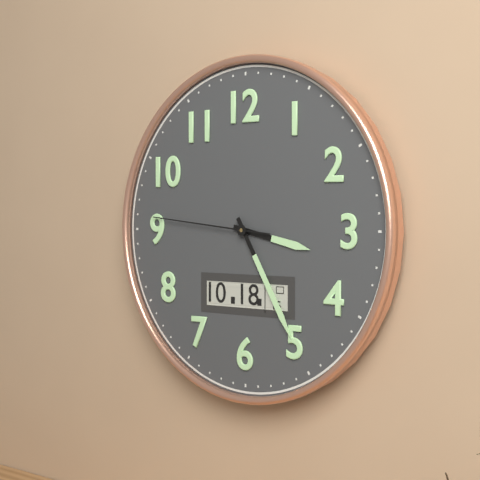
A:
3,25,46
